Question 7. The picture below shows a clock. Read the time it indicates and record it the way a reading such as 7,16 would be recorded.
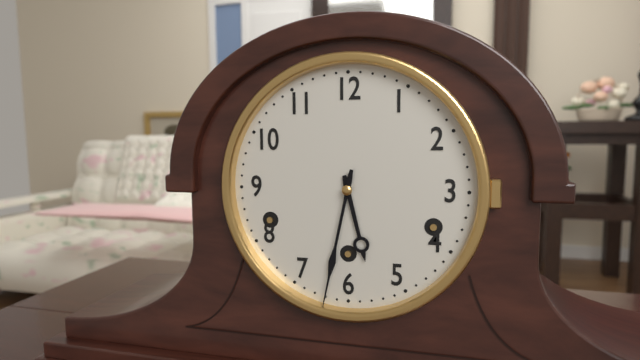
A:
5,32
